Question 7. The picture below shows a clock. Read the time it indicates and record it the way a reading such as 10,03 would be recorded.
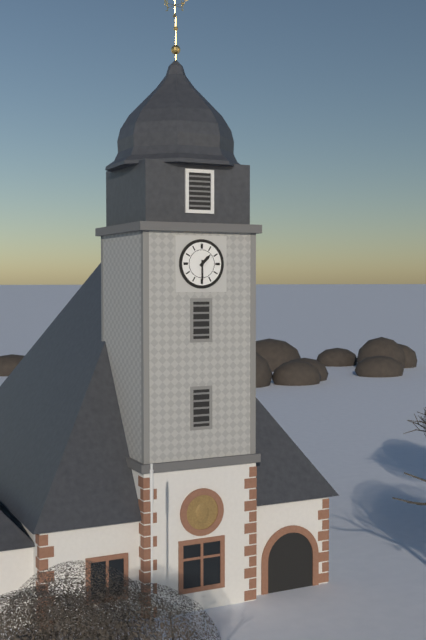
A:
1,30
